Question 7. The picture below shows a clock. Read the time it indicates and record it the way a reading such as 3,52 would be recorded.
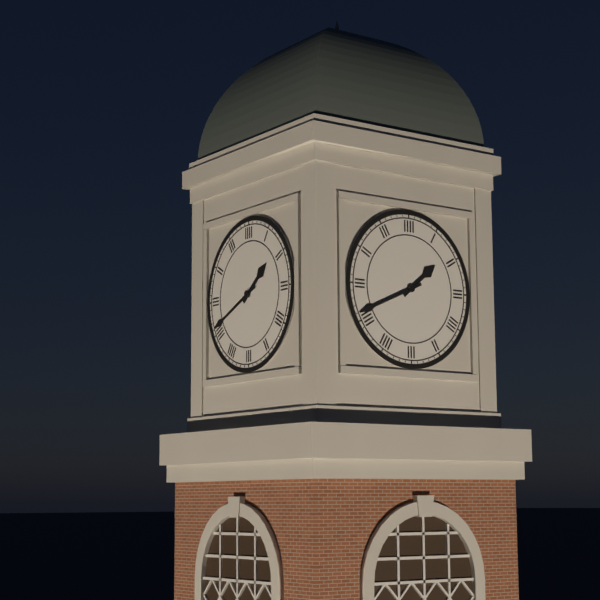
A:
1,41
